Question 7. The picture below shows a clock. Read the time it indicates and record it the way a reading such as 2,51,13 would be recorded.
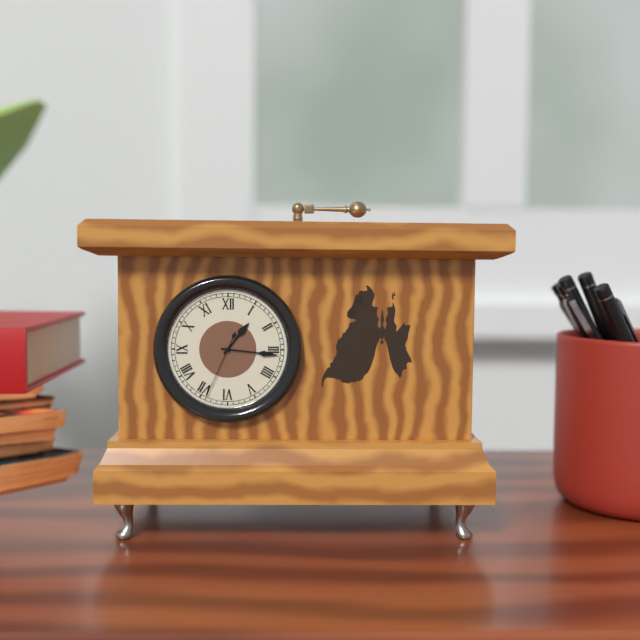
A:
1,16,34
